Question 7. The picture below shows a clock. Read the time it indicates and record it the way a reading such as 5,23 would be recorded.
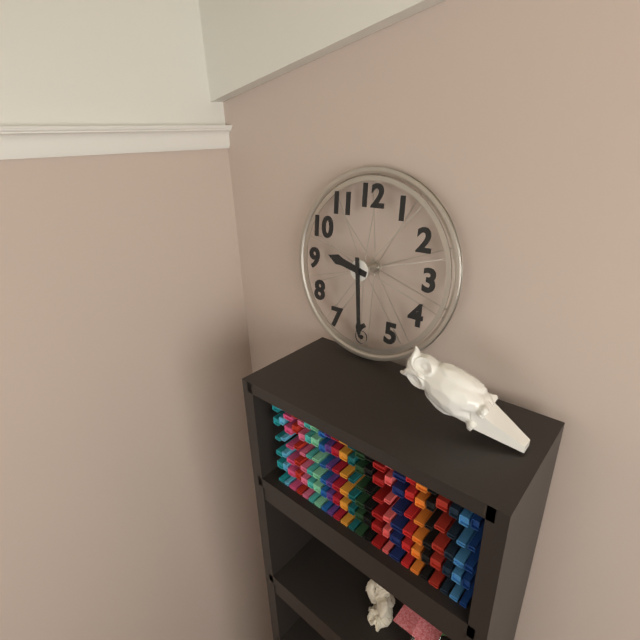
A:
9,29
